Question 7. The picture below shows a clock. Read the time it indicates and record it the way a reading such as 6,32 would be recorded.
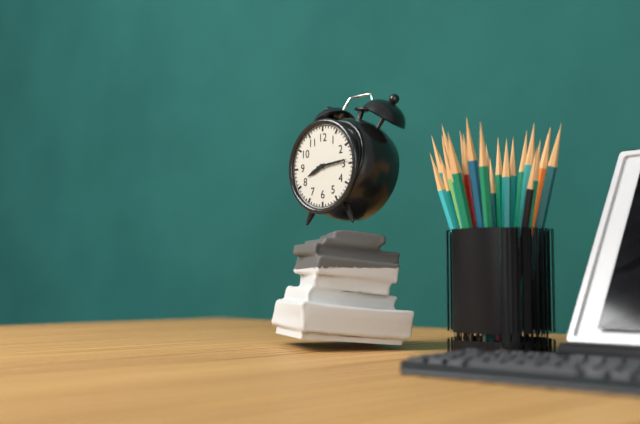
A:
8,14
